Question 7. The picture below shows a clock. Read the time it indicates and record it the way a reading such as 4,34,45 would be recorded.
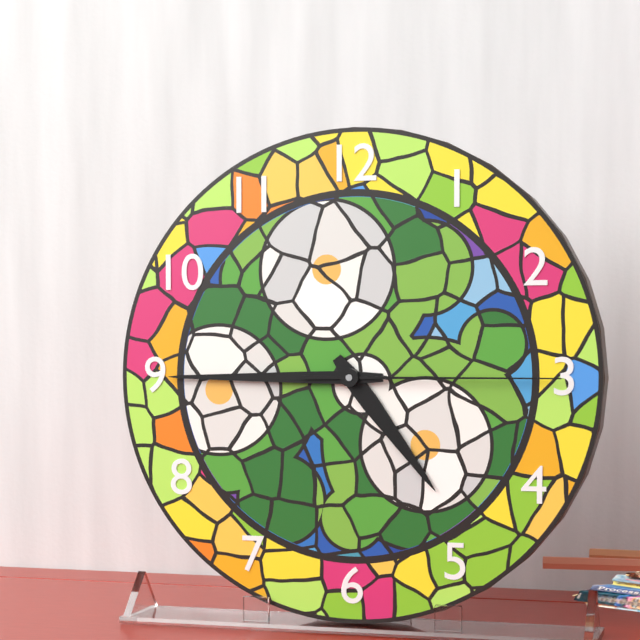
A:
4,45,15
